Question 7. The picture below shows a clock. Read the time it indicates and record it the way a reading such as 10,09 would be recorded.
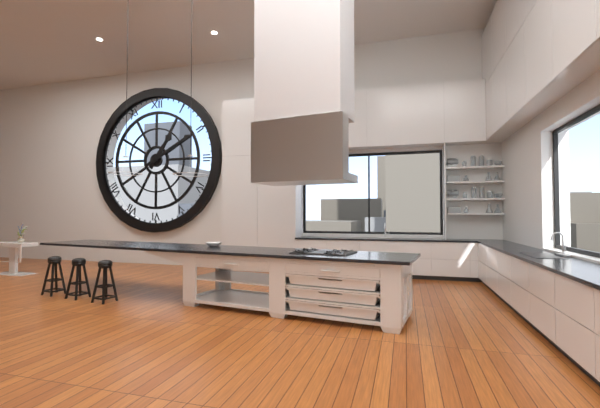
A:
1,10
